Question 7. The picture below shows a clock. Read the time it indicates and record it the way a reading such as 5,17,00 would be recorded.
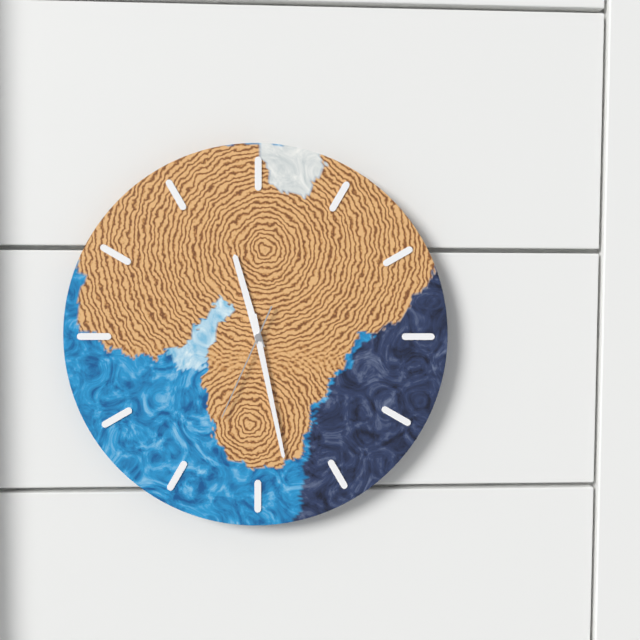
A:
11,28,34
